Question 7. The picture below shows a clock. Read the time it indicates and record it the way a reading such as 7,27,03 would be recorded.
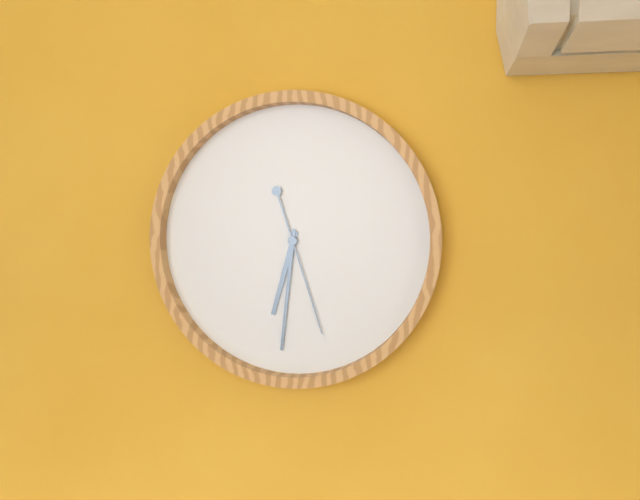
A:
6,31,27
